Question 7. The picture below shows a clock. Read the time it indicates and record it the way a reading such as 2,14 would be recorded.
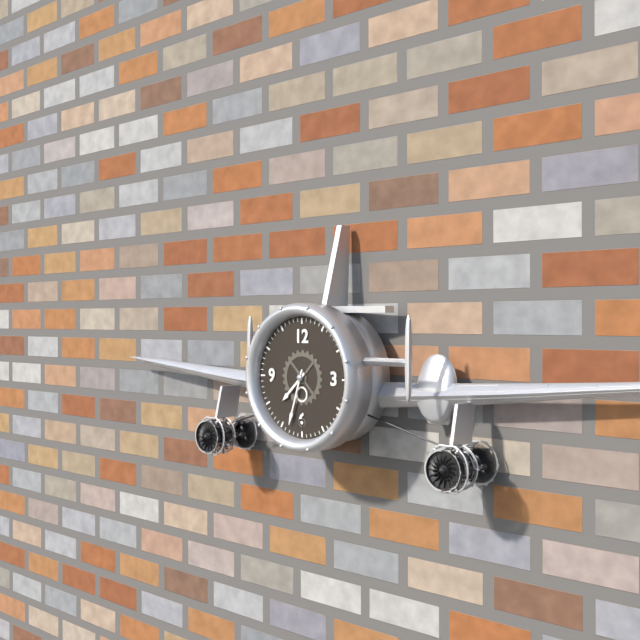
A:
7,33
